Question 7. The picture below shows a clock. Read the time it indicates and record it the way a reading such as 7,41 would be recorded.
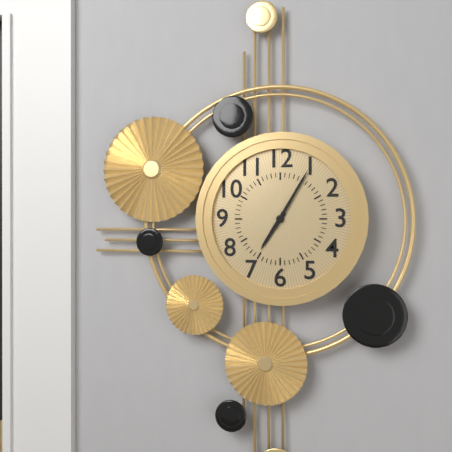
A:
7,05
